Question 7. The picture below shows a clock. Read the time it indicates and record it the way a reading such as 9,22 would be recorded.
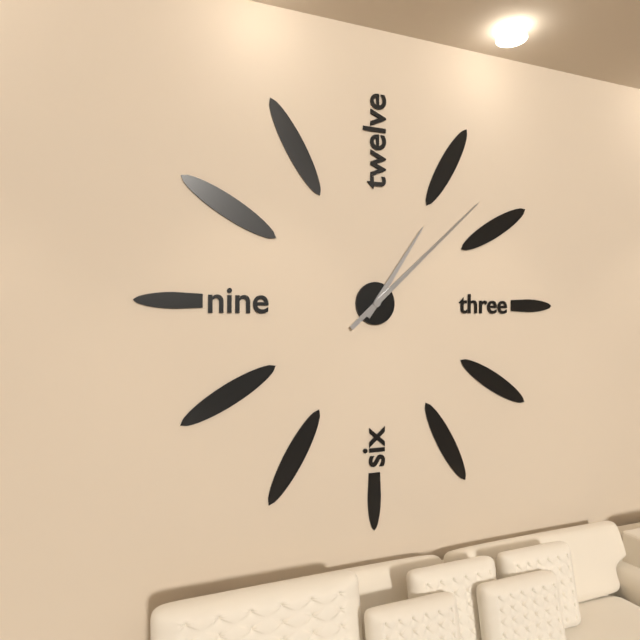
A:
1,08
